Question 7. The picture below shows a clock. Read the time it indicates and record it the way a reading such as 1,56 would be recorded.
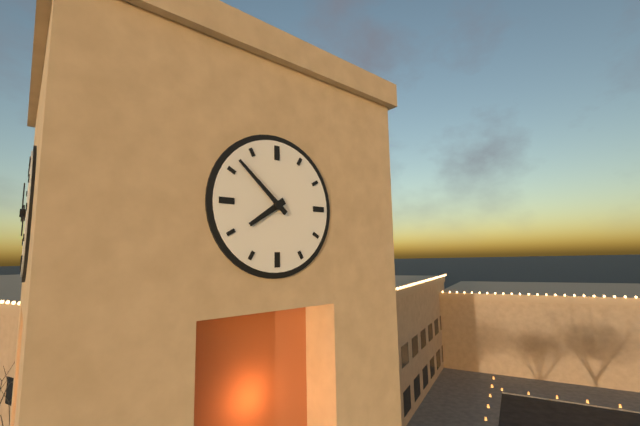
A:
7,52
